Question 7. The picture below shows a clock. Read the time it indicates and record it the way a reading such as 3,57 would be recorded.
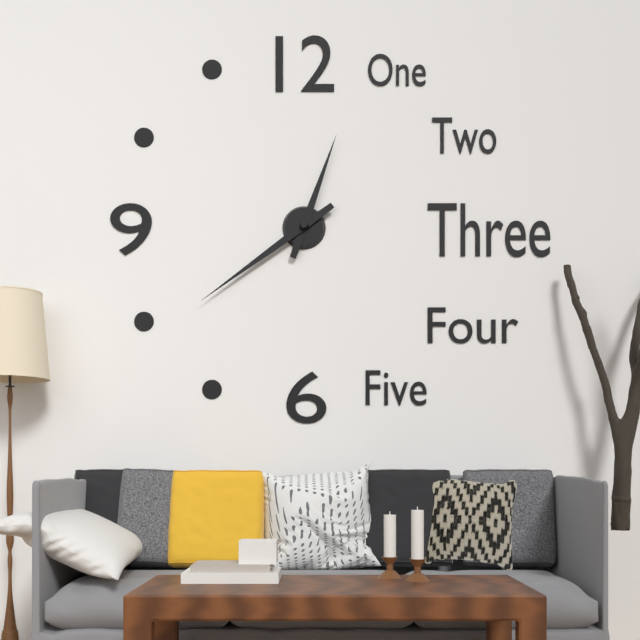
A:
12,39
